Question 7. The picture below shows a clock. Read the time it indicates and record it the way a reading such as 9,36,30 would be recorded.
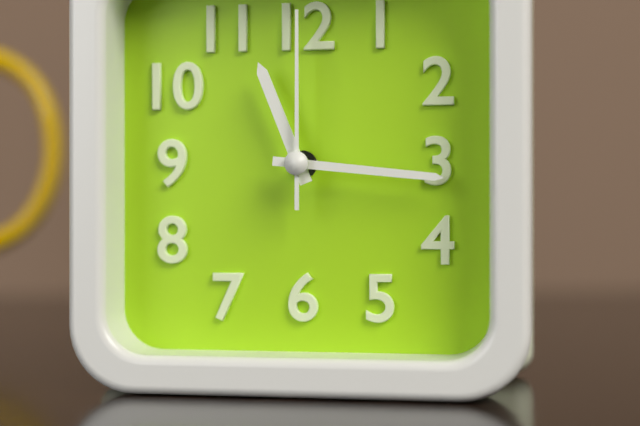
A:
11,16,00
